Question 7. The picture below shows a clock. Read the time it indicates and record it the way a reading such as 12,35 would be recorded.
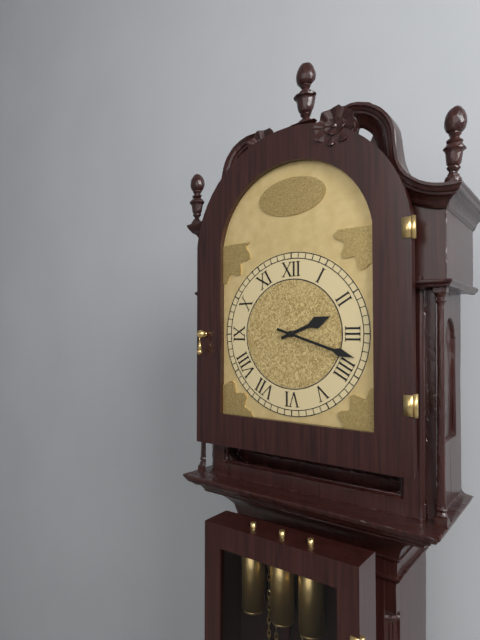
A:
2,18
